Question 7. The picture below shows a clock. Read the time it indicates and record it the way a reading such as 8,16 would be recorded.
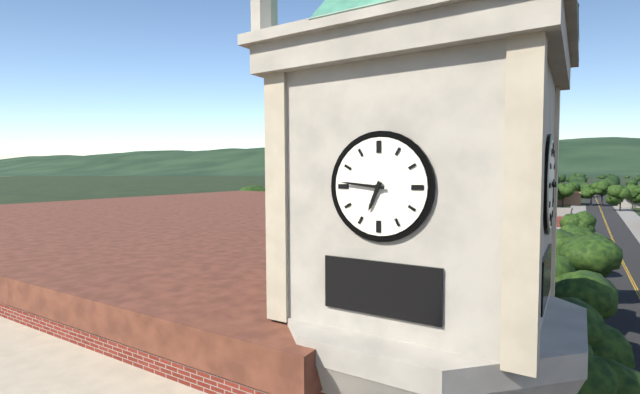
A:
6,46
